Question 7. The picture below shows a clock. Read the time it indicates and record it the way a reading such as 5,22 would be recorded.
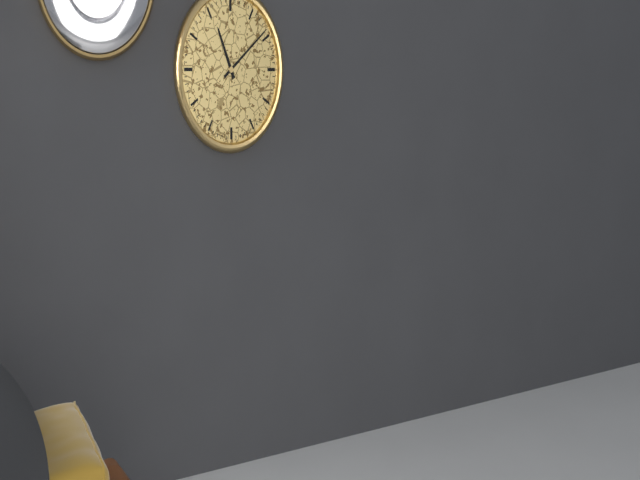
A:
11,09
